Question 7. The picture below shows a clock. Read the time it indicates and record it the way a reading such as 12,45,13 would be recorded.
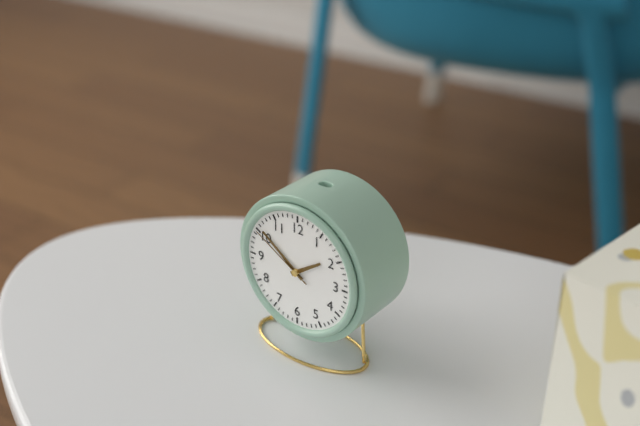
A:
1,51,50
